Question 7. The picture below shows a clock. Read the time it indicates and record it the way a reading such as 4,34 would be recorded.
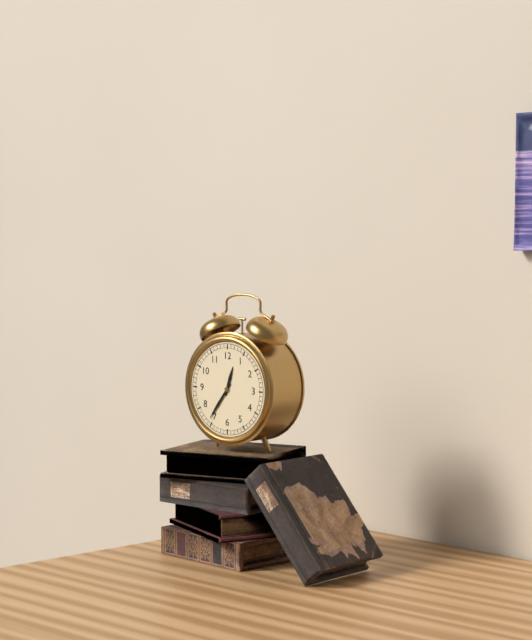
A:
12,36
